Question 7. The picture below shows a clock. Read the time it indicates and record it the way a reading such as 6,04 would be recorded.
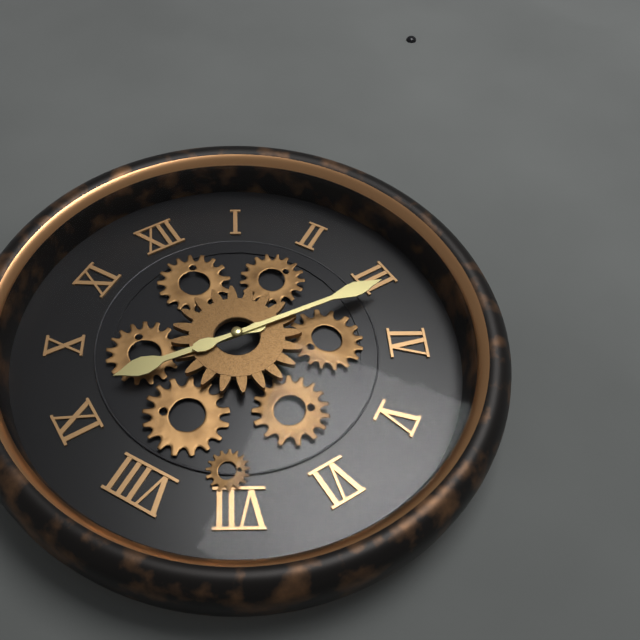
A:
9,16
